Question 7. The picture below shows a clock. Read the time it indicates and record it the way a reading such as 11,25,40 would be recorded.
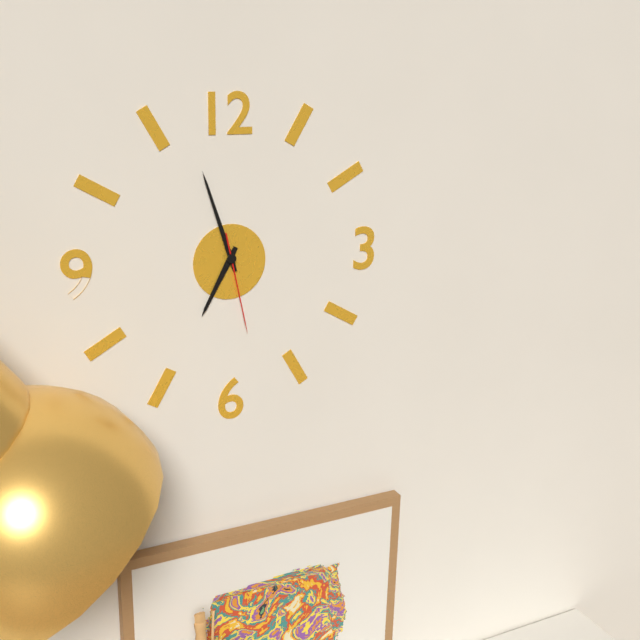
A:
6,57,28
